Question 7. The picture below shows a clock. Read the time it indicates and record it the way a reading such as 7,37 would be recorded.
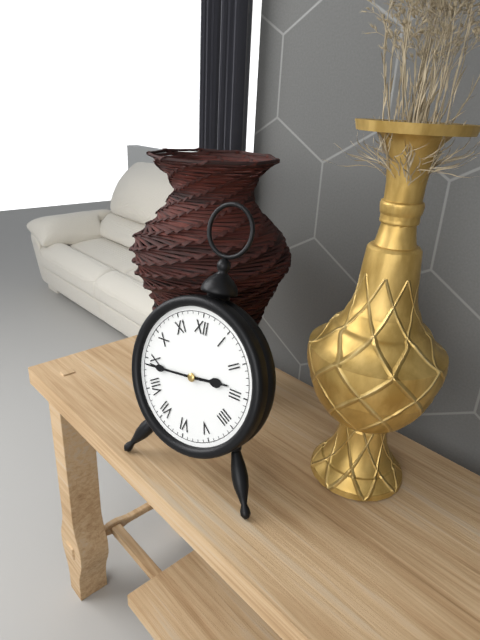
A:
2,44
